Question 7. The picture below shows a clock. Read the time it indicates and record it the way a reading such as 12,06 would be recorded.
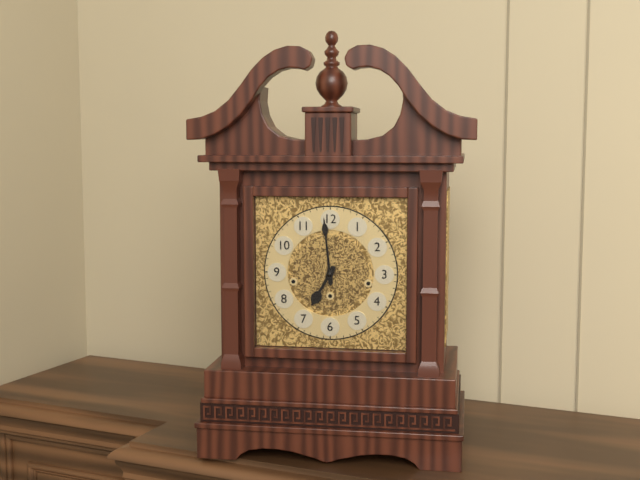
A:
6,59
